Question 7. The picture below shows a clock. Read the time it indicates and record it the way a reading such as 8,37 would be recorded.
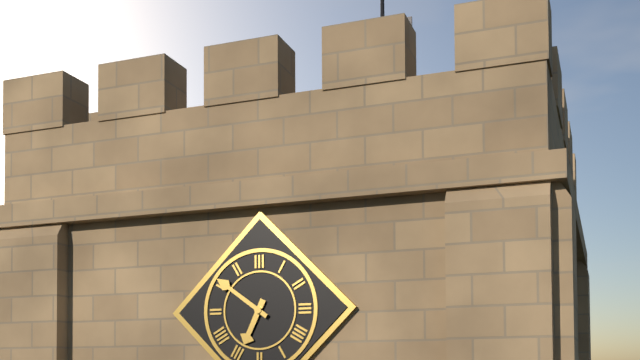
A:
6,51
